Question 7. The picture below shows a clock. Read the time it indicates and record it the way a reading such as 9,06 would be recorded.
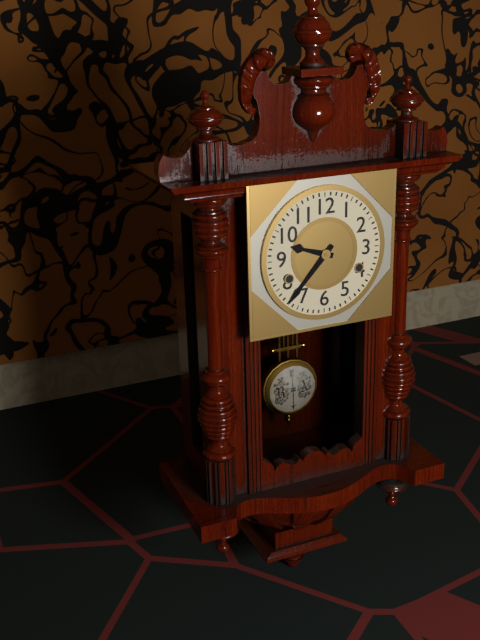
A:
9,37
